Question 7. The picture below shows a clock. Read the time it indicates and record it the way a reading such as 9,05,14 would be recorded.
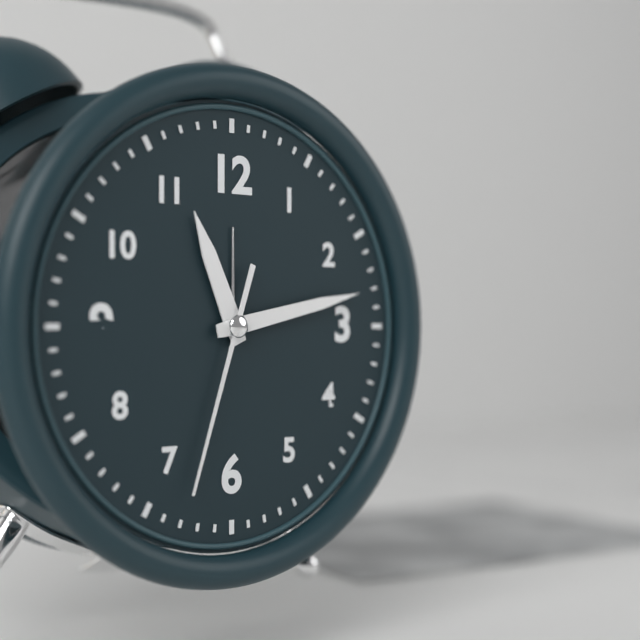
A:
11,13,33
